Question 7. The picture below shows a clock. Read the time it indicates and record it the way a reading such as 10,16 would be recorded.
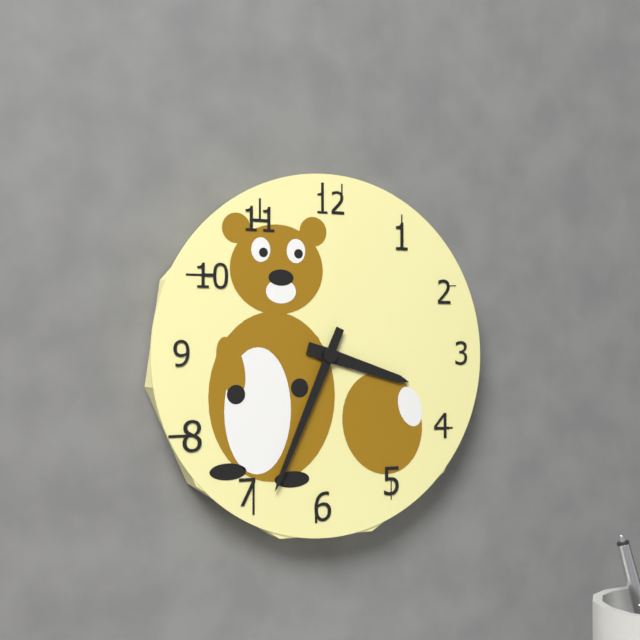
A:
3,34
